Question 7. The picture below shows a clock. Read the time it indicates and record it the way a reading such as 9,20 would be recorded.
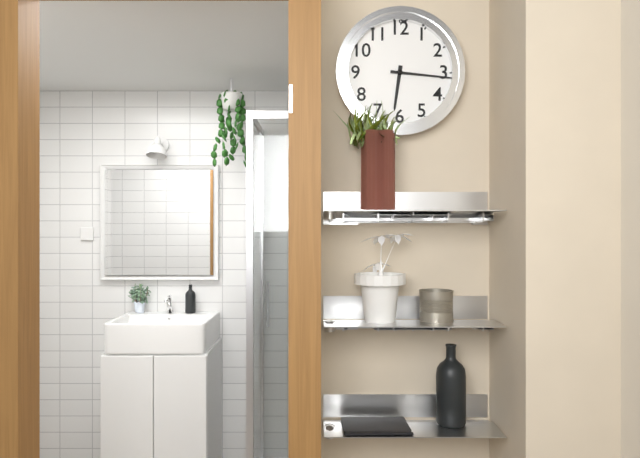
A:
6,16
